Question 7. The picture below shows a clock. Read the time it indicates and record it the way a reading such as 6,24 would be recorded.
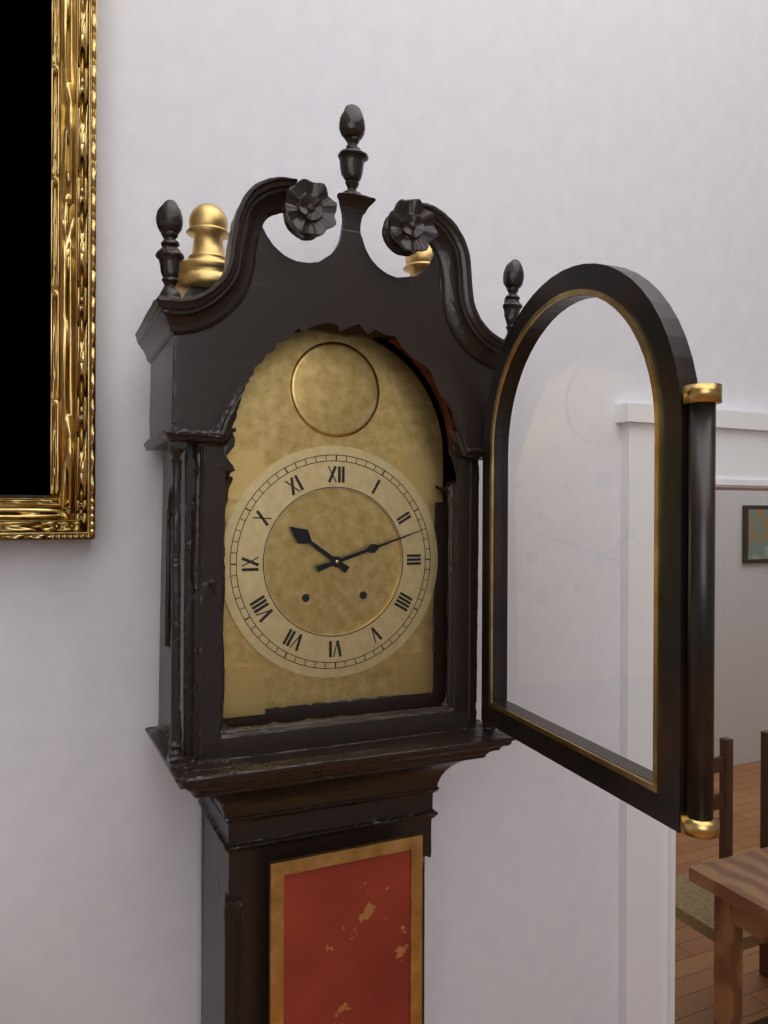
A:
10,12
